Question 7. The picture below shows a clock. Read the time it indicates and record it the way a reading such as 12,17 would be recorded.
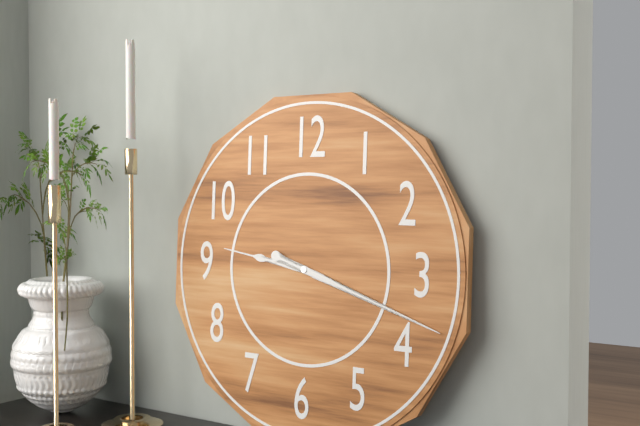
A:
9,18
